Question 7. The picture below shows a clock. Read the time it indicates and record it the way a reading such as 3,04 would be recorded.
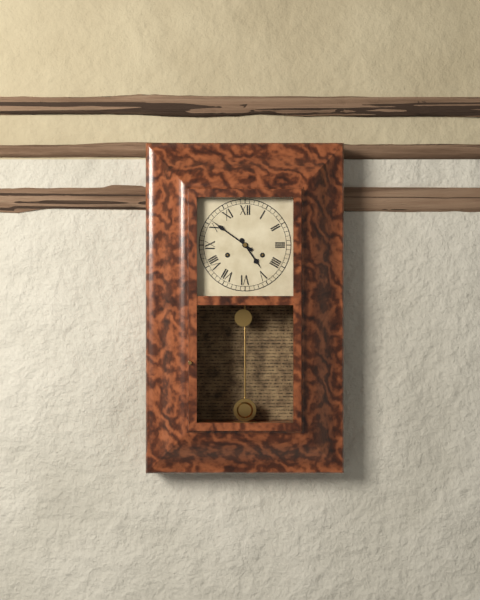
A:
4,51
